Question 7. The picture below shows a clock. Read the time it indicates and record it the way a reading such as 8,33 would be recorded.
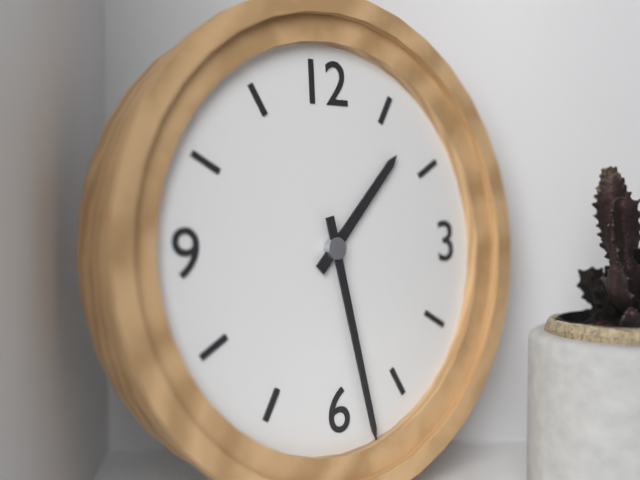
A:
1,28
